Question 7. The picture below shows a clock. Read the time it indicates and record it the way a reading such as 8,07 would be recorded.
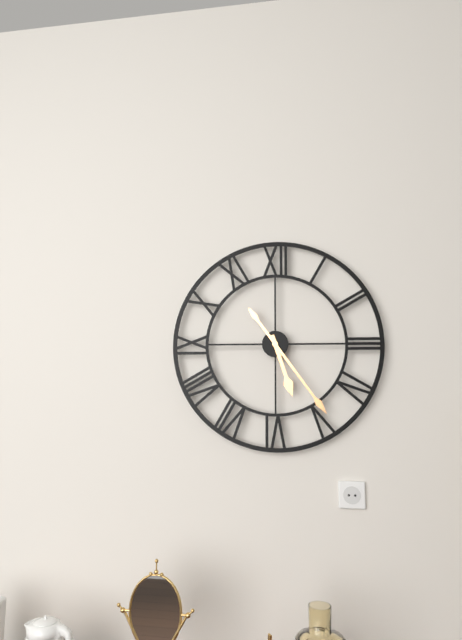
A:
5,24
